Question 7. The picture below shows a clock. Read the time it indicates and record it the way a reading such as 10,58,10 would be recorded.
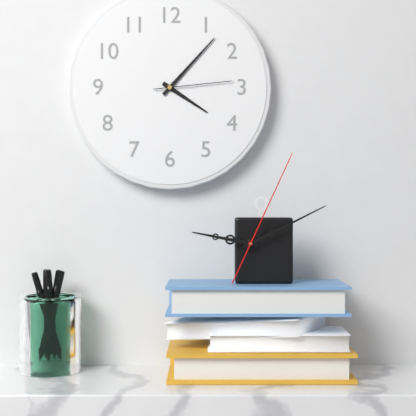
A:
4,07,14
